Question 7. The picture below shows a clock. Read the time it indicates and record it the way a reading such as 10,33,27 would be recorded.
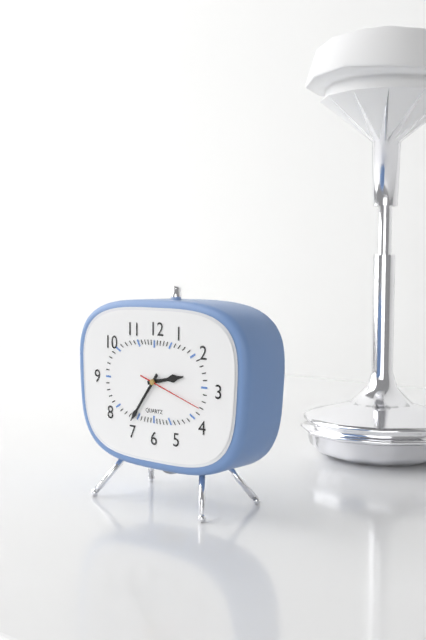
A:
2,36,18
